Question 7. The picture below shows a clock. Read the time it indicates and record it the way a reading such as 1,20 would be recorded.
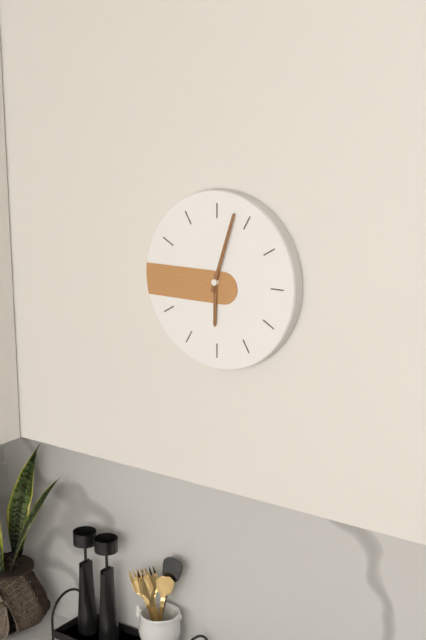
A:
6,03
